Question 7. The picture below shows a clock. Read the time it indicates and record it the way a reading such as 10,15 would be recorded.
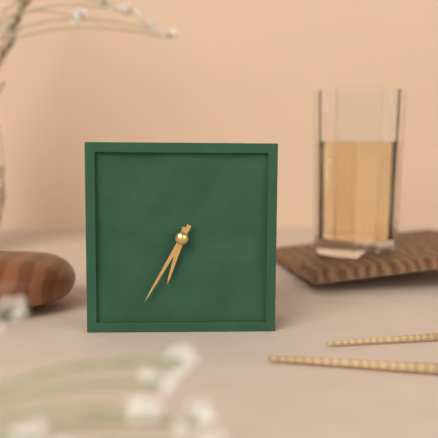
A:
6,35
